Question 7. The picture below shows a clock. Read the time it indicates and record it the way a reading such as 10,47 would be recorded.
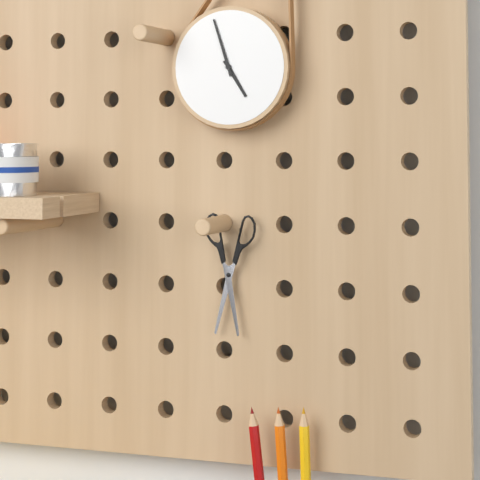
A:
4,57
